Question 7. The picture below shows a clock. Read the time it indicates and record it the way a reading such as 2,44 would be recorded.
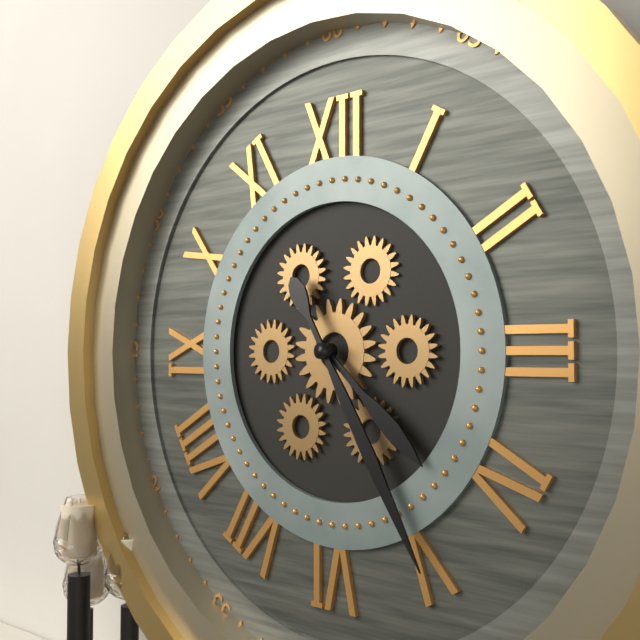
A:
4,25
